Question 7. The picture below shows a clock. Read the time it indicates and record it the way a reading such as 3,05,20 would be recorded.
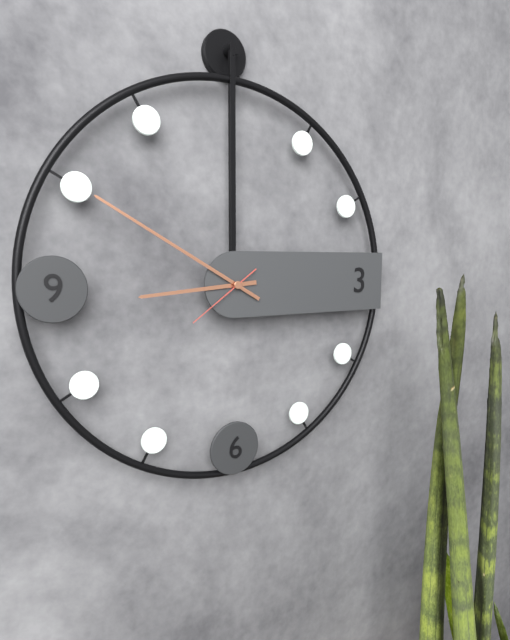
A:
8,50,39
